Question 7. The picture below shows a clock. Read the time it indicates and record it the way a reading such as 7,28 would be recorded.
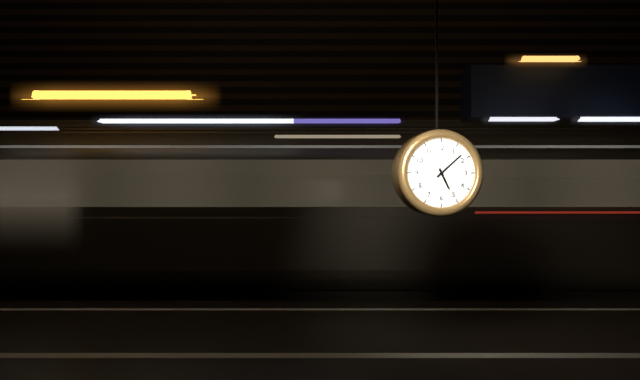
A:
5,08
